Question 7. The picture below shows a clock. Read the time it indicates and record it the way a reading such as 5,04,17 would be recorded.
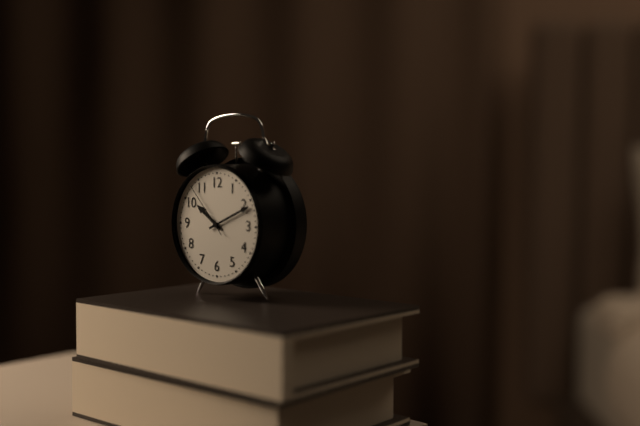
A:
10,11,53
